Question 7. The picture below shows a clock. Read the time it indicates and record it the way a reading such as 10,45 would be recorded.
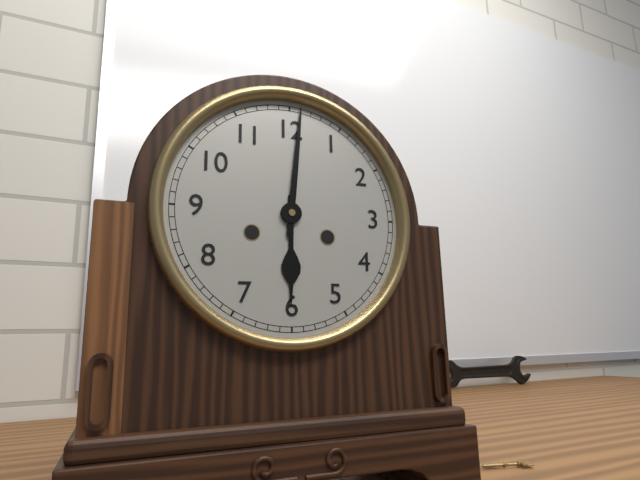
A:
6,01
